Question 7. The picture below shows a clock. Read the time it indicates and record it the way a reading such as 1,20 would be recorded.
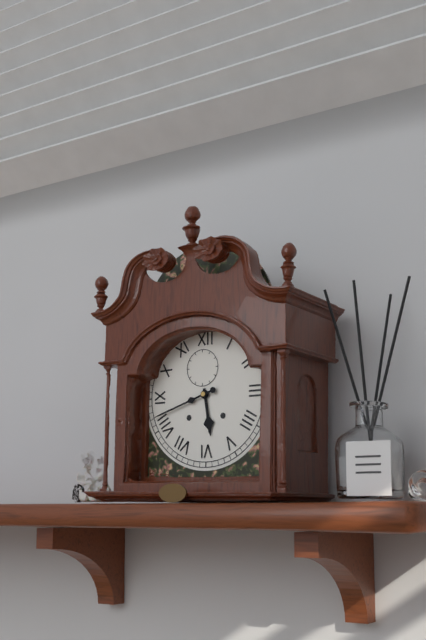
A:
5,42
